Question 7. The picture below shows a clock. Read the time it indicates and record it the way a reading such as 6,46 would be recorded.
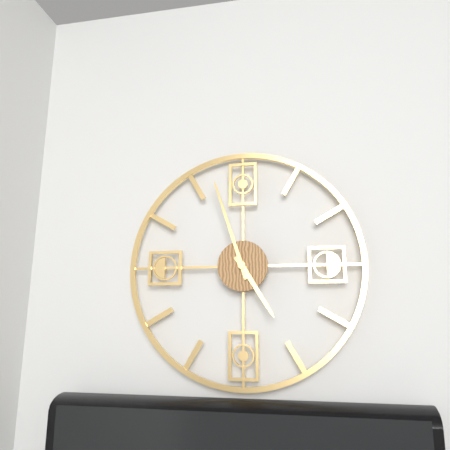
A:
4,57
